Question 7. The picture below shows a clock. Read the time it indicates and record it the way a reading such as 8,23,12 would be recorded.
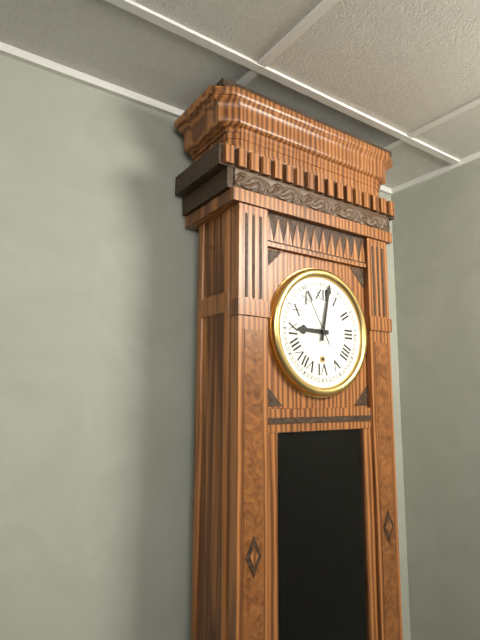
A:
9,02,55
